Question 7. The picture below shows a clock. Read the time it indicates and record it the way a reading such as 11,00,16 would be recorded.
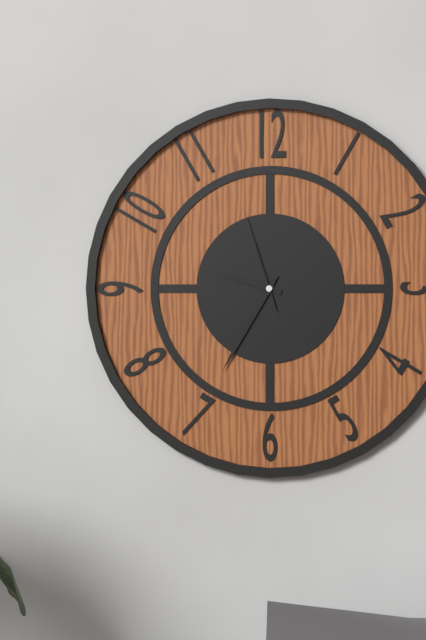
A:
9,35,57
